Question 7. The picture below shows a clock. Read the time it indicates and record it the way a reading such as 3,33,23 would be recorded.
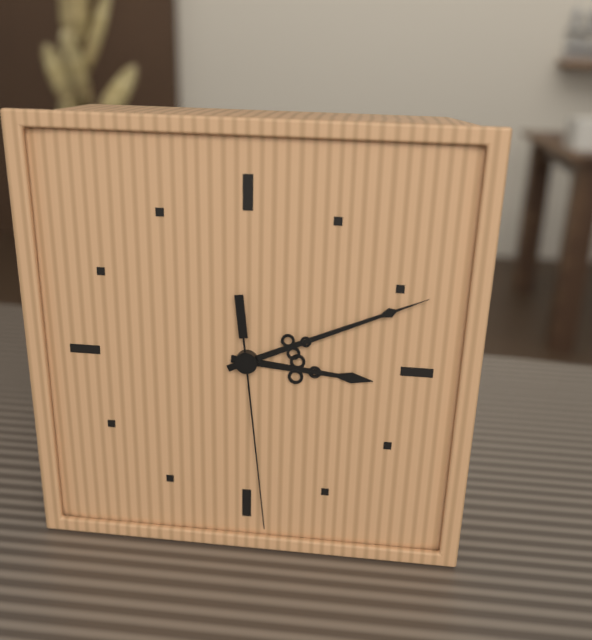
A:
3,11,29
